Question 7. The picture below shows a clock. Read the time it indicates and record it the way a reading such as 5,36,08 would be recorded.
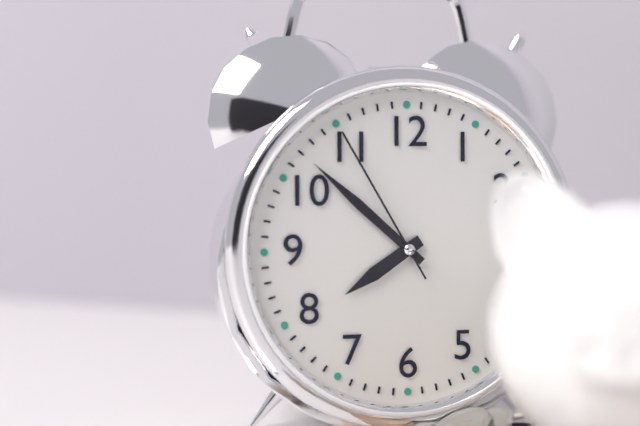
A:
7,52,55
